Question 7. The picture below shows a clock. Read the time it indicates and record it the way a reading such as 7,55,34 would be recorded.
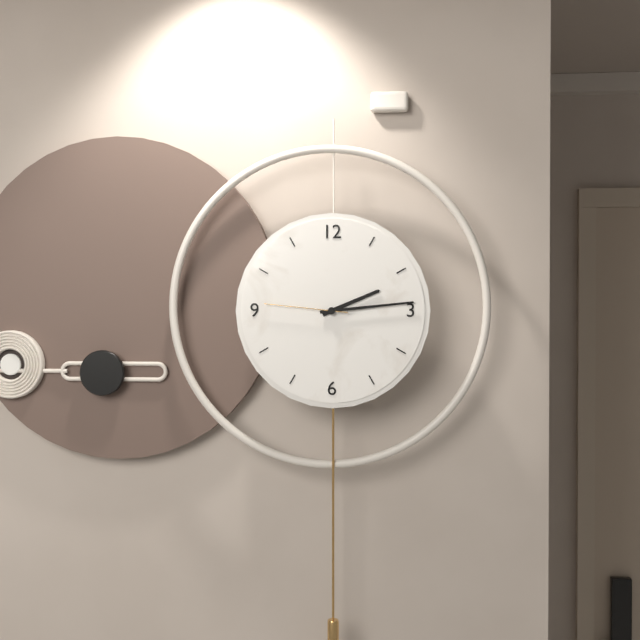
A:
2,14,46
